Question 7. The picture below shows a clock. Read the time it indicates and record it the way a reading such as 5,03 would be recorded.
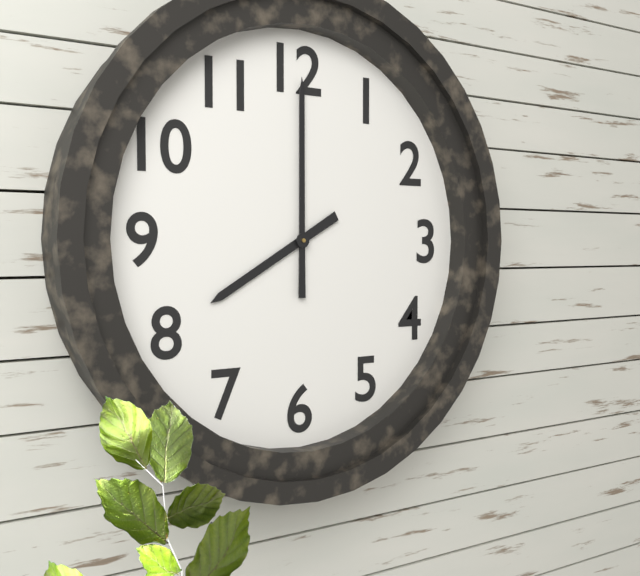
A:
8,00
